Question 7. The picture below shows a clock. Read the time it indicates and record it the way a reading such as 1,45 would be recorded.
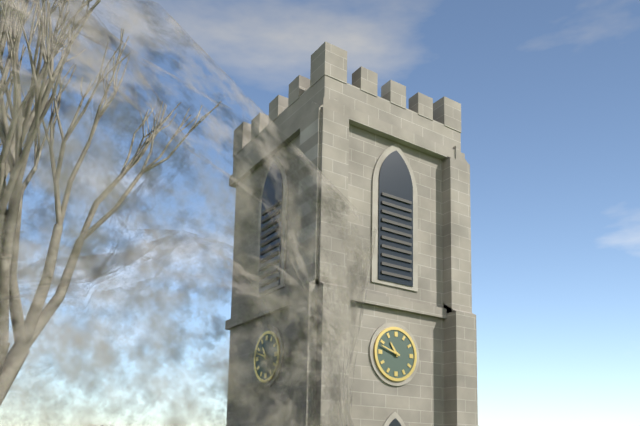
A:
10,48
